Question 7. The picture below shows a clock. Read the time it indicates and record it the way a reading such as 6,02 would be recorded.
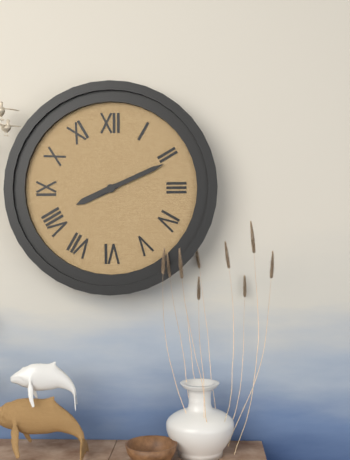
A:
8,11
